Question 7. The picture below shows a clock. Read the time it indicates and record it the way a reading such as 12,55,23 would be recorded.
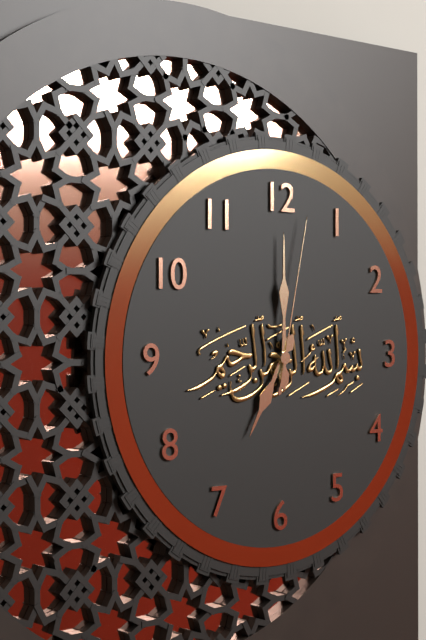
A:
7,00,02
